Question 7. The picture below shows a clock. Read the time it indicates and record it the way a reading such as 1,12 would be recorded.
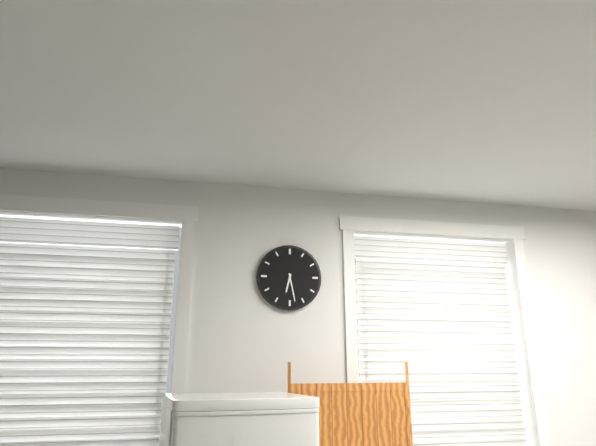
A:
6,28
